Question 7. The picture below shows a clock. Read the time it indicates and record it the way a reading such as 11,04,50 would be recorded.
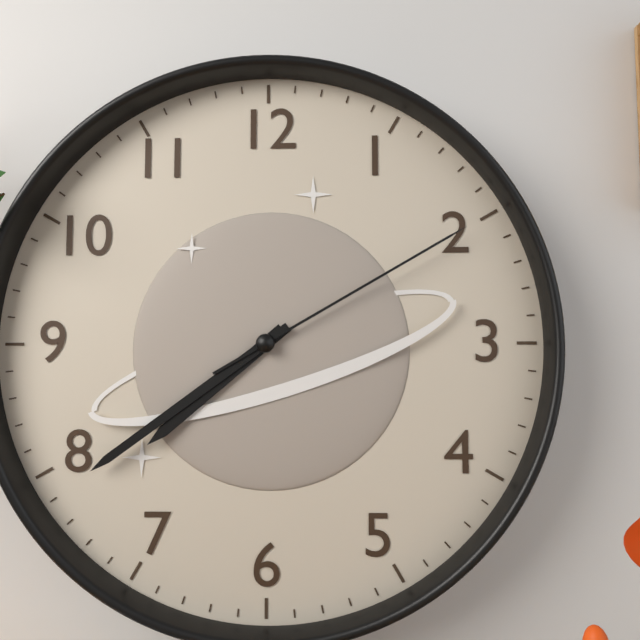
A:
7,39,10
